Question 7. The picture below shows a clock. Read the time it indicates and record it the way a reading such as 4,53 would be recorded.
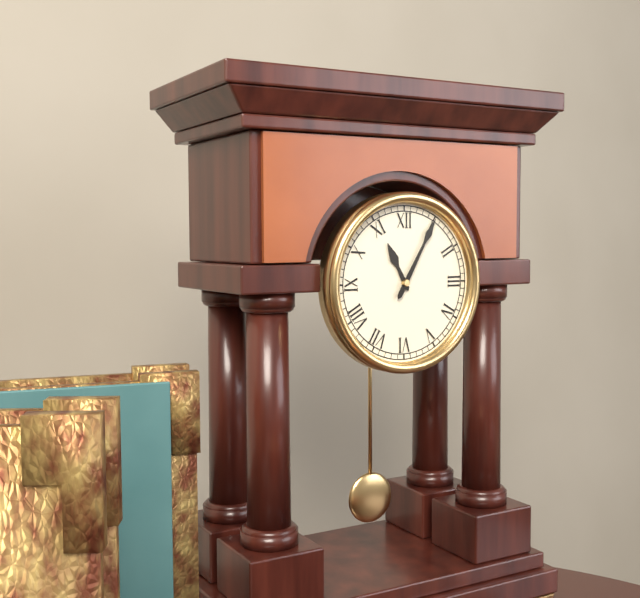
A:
11,05
